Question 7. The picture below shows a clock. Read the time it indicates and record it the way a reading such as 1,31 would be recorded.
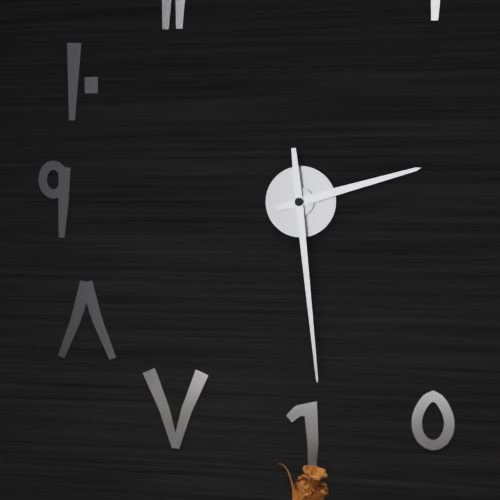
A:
2,29
